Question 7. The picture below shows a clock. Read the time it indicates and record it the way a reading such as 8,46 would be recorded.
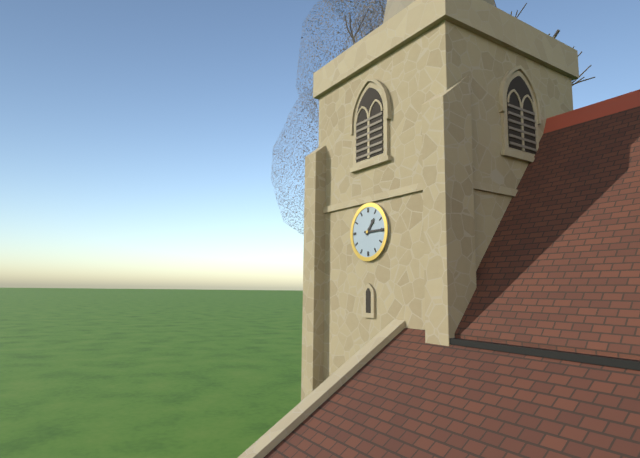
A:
1,15
